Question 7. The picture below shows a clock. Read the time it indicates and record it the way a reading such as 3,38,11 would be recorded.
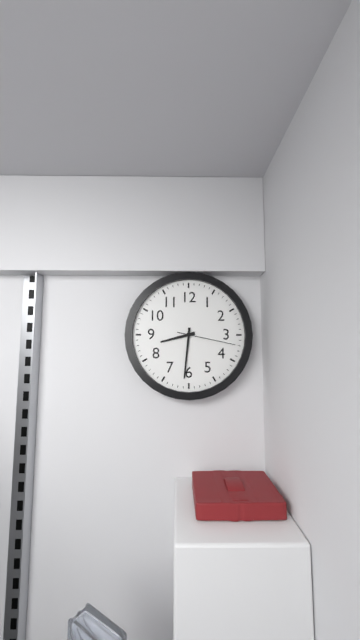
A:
8,31,17
